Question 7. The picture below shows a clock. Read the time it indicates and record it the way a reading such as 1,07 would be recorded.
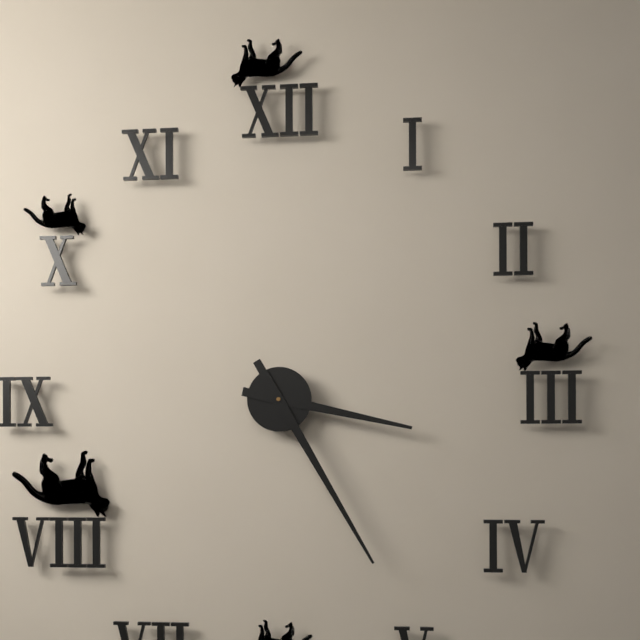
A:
3,25
